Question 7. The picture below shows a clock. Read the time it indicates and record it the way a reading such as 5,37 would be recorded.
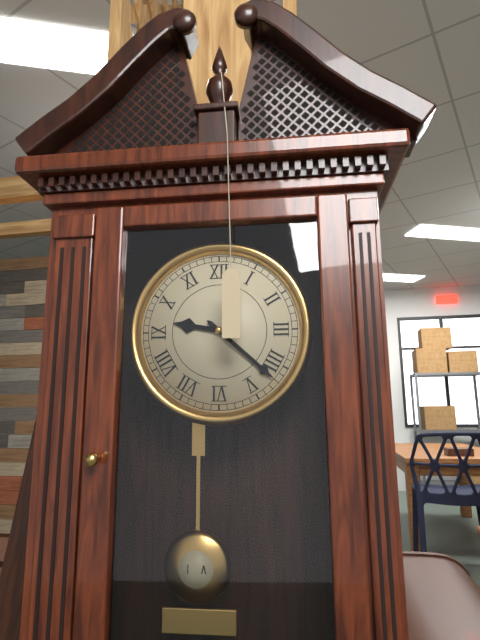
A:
9,22
